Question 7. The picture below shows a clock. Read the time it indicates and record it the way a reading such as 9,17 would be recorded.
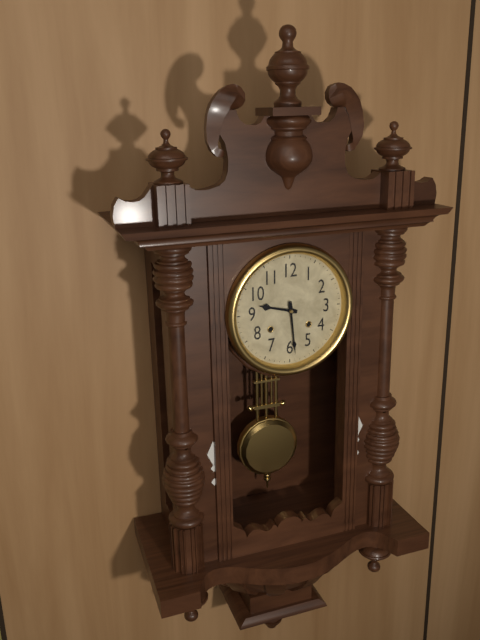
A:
9,29
